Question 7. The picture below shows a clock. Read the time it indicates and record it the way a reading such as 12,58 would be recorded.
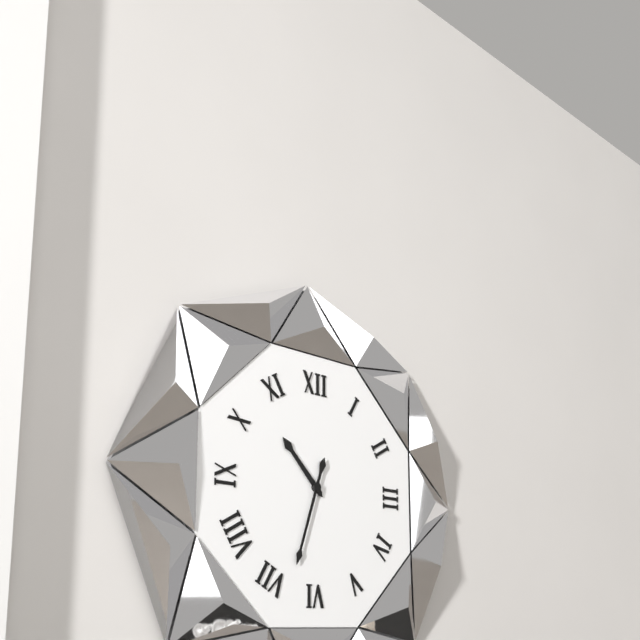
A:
10,33
